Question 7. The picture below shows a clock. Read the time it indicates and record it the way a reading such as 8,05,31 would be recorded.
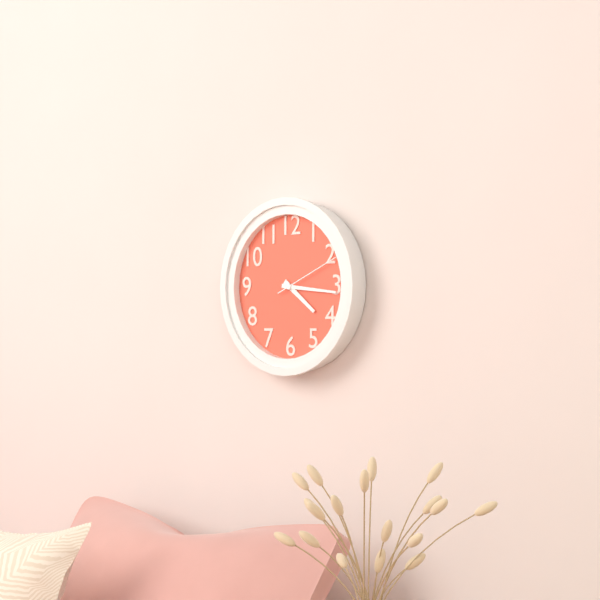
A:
4,16,11
